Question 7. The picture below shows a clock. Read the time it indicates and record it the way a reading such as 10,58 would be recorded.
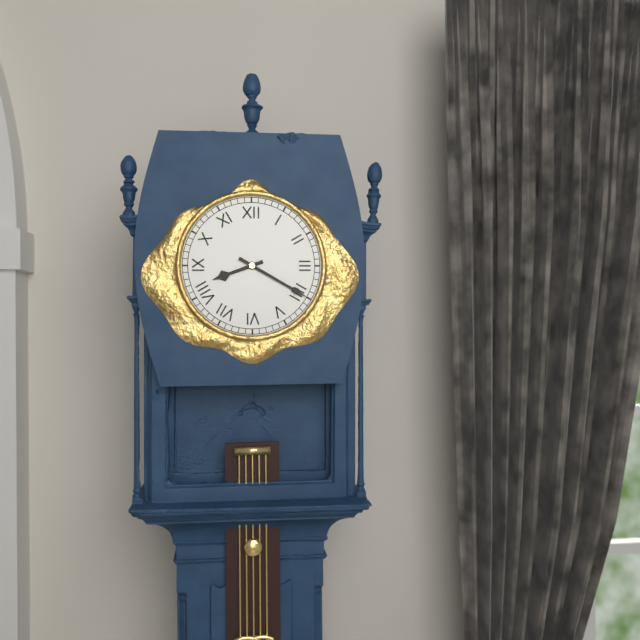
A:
8,20
